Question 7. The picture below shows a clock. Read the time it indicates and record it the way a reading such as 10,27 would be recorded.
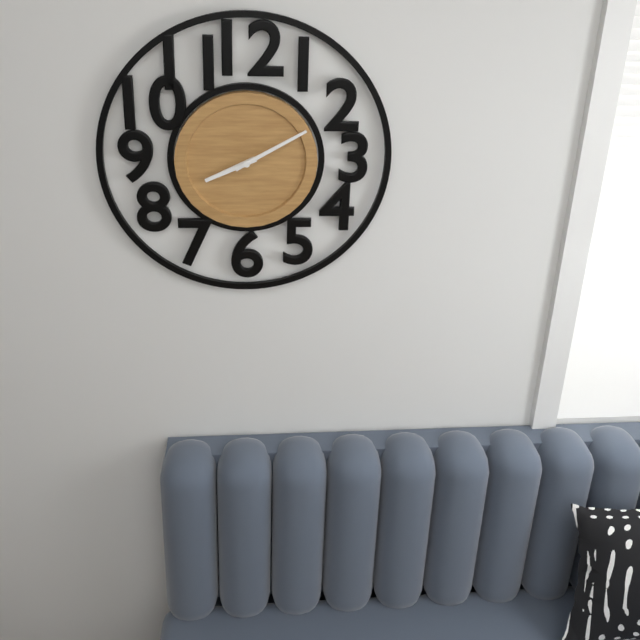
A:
8,10
